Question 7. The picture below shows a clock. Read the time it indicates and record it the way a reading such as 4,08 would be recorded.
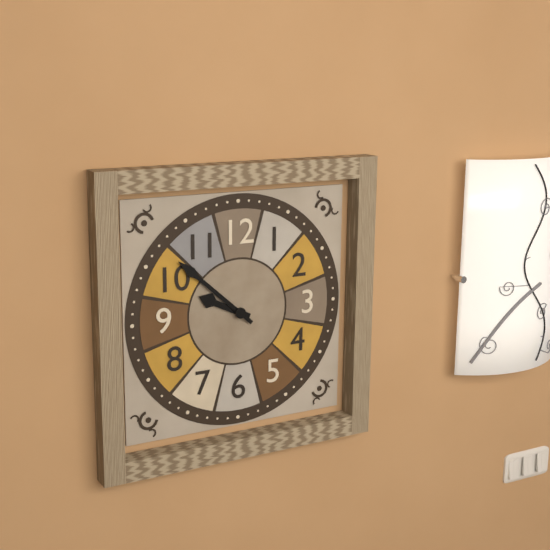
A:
9,52
